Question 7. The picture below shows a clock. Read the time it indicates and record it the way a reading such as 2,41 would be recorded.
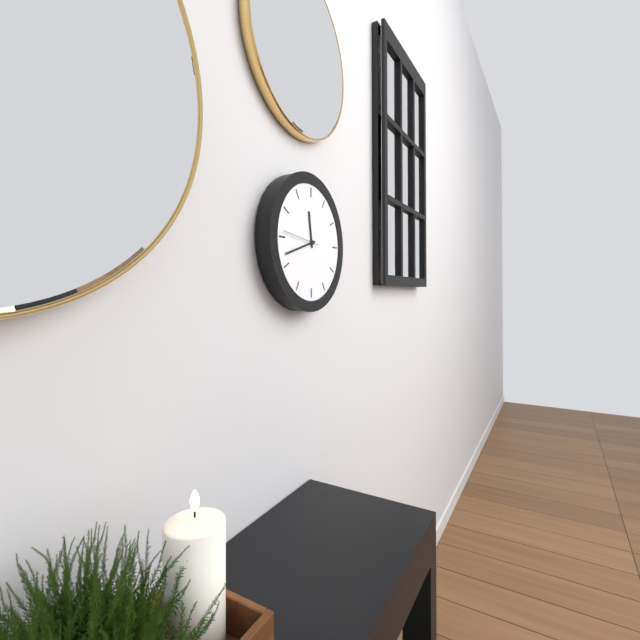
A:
11,42
